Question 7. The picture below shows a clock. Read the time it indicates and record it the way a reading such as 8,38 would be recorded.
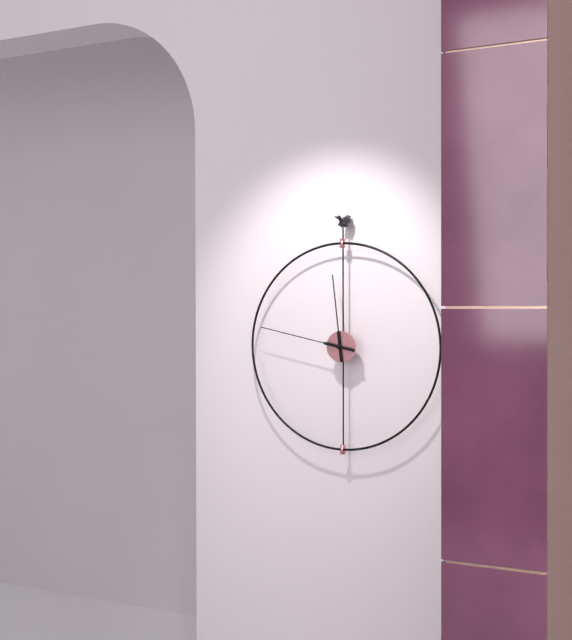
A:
11,47
